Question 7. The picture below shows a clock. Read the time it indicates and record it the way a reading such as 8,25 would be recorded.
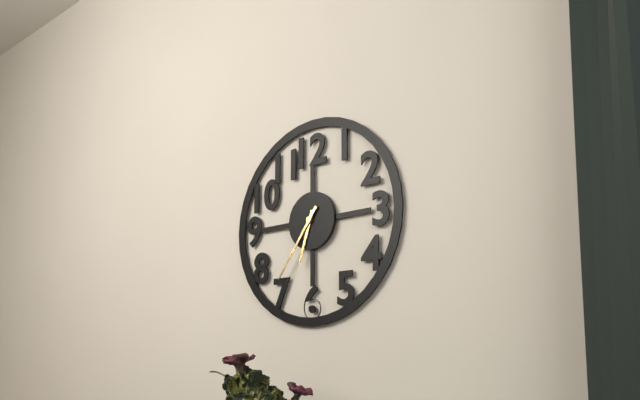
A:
6,36
